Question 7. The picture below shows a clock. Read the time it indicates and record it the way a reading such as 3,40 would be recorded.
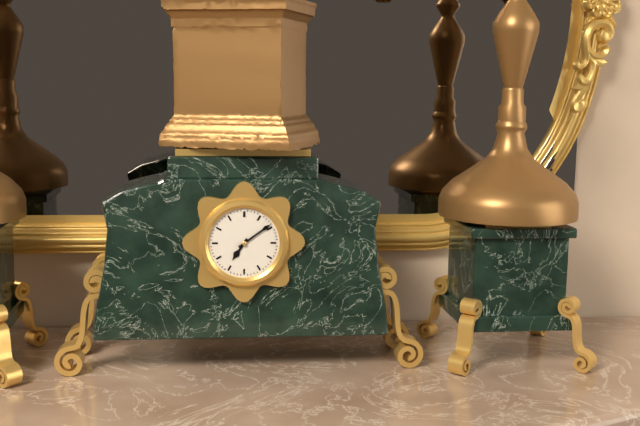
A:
7,09
